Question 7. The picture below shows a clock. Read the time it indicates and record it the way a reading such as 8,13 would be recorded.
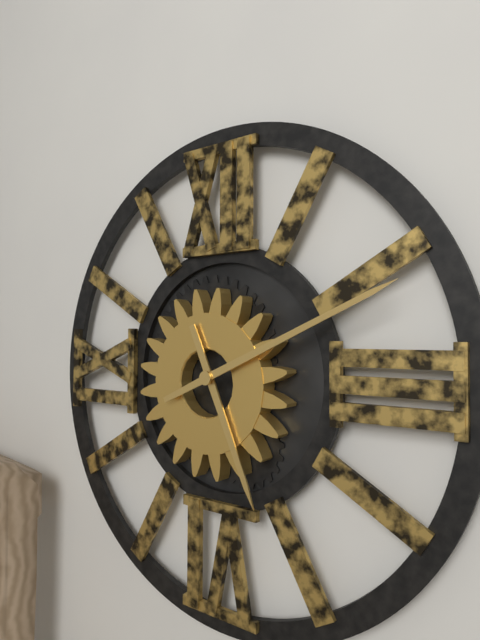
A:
5,11
